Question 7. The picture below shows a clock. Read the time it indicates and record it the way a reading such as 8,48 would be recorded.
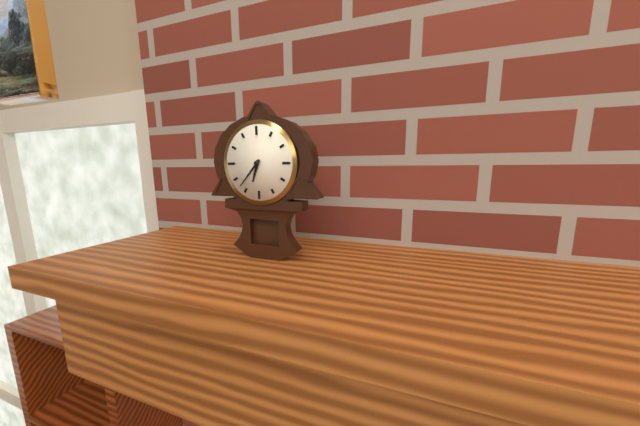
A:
6,37
